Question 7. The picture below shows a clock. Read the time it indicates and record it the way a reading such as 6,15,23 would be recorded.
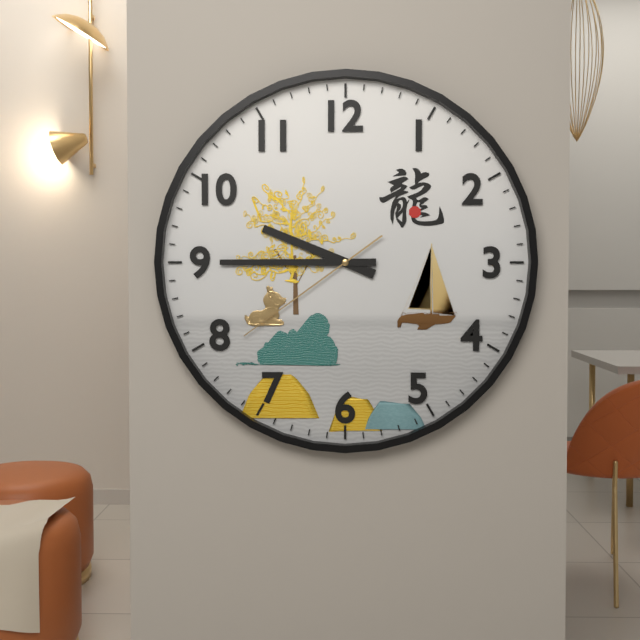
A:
9,45,39
